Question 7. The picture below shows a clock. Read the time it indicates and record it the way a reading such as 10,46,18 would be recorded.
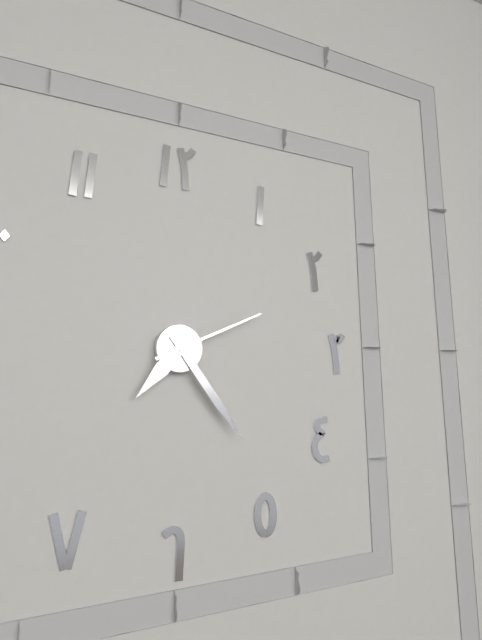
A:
7,24,11
